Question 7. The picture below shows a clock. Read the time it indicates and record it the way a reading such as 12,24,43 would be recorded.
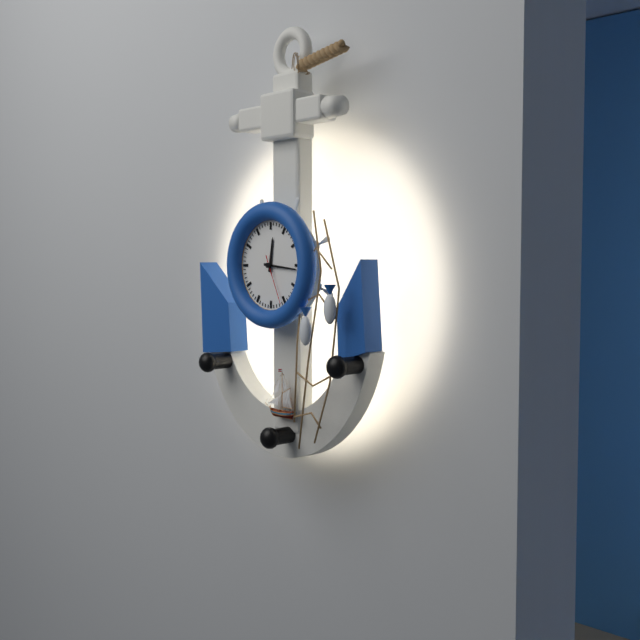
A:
12,16,26
